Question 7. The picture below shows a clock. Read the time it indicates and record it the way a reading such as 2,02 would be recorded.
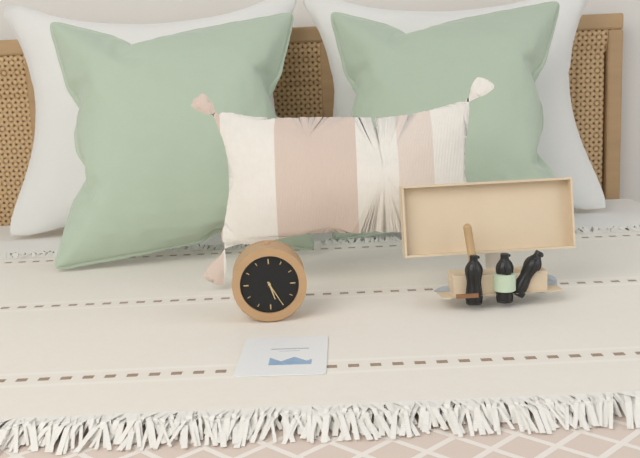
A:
5,25
